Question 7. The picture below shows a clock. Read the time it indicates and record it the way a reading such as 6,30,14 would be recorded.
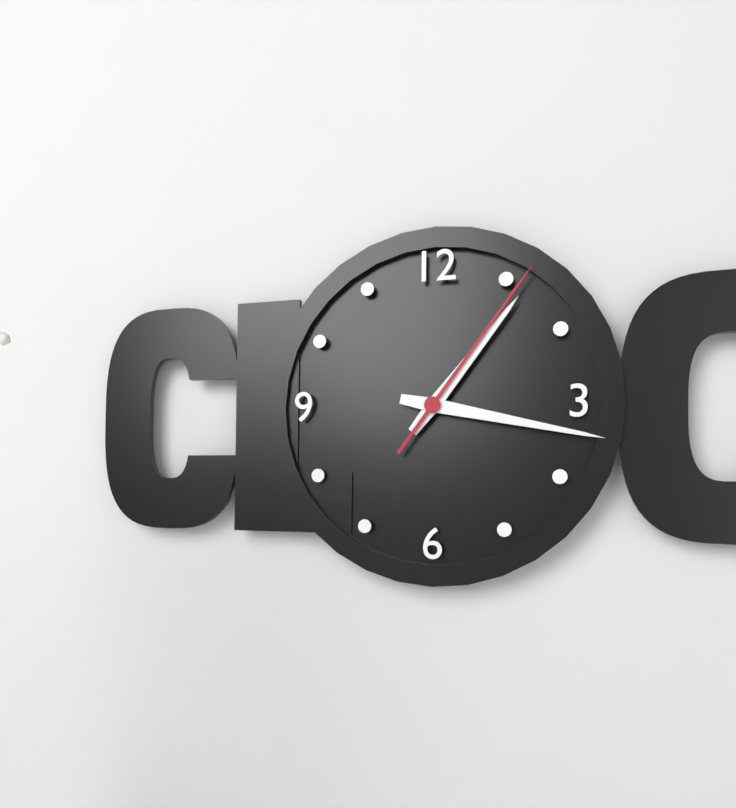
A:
1,17,06
